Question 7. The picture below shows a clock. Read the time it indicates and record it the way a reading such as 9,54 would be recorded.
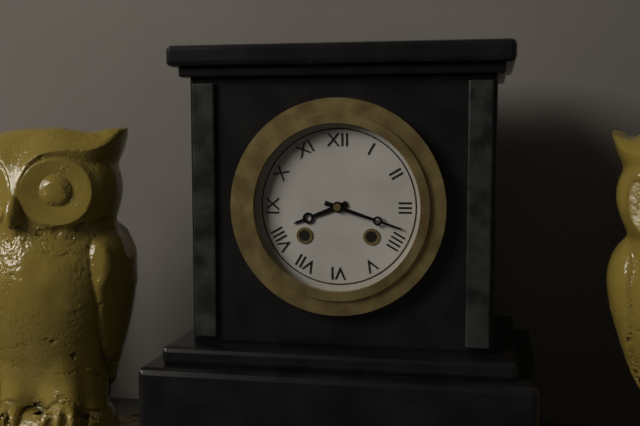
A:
8,18
